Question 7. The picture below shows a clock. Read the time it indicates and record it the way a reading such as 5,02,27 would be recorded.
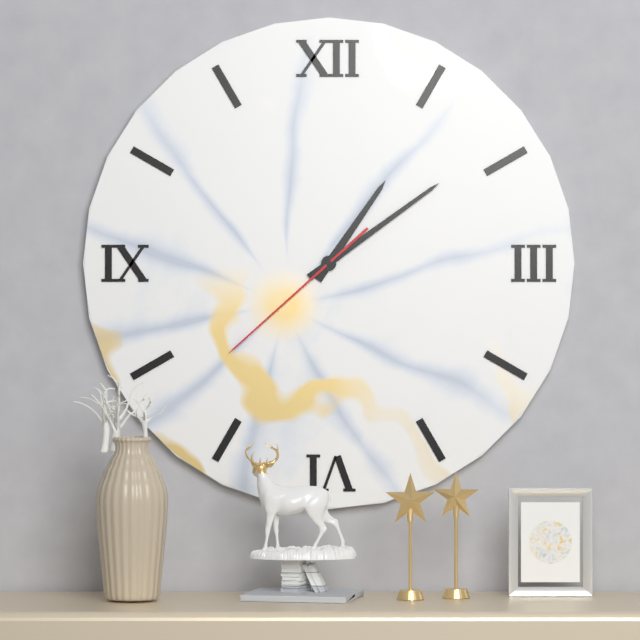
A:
1,09,38
